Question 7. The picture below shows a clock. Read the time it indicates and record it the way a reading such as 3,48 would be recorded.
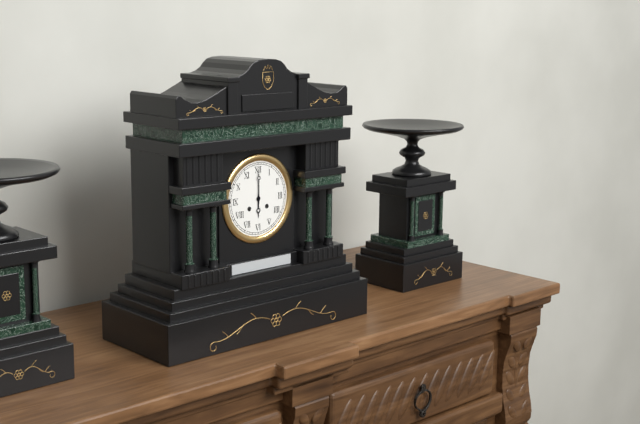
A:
6,00
